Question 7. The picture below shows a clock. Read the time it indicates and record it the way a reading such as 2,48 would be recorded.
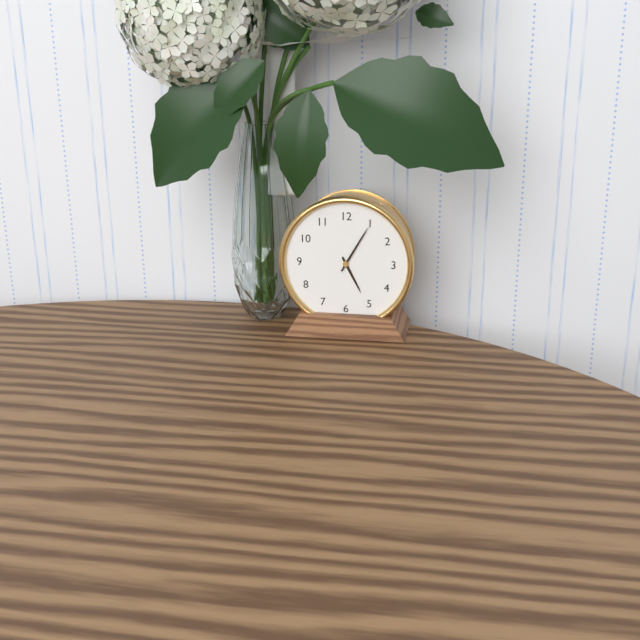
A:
5,05
